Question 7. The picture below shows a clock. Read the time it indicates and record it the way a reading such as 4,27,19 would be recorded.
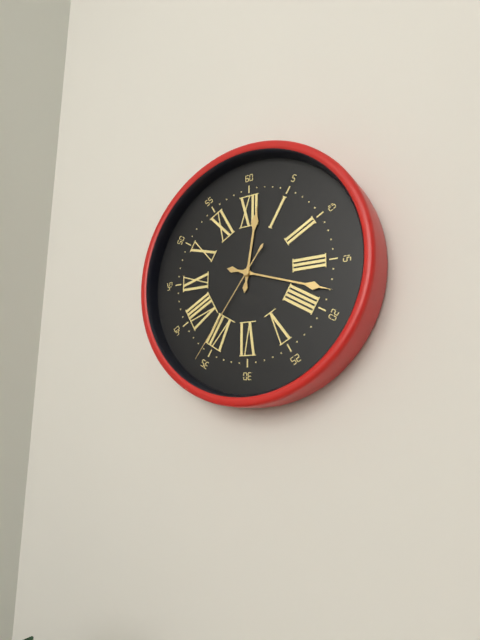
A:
12,18,36
